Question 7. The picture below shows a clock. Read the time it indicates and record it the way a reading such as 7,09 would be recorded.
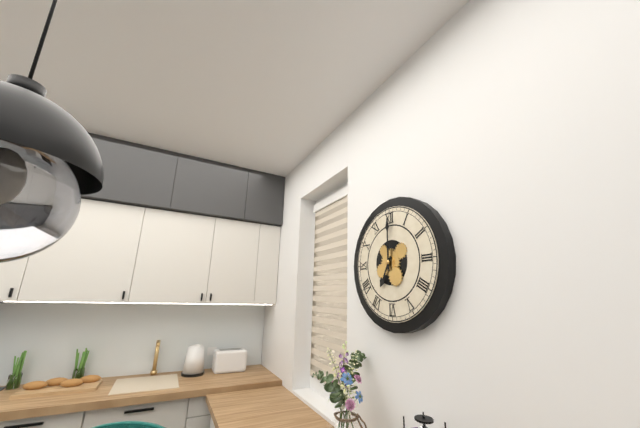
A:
7,00
